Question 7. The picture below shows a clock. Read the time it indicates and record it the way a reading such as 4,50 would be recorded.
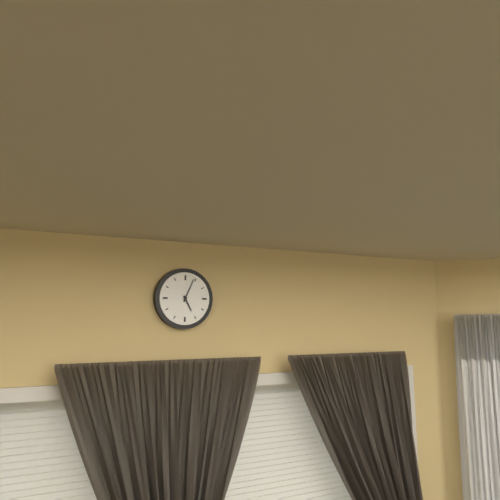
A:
5,04
